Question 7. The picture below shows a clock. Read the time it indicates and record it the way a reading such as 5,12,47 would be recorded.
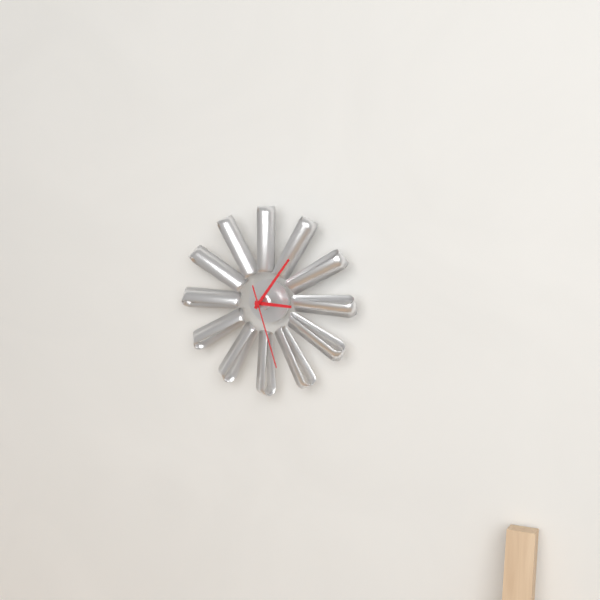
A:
3,06,27
